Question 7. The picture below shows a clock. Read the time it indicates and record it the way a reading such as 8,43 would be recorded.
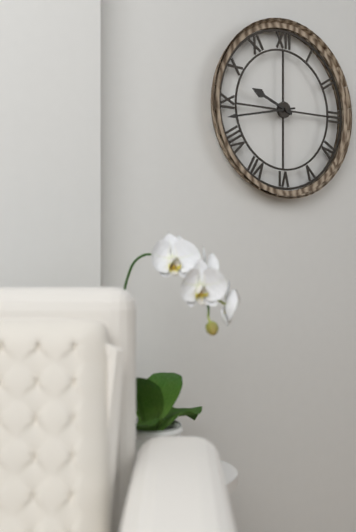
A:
9,43
